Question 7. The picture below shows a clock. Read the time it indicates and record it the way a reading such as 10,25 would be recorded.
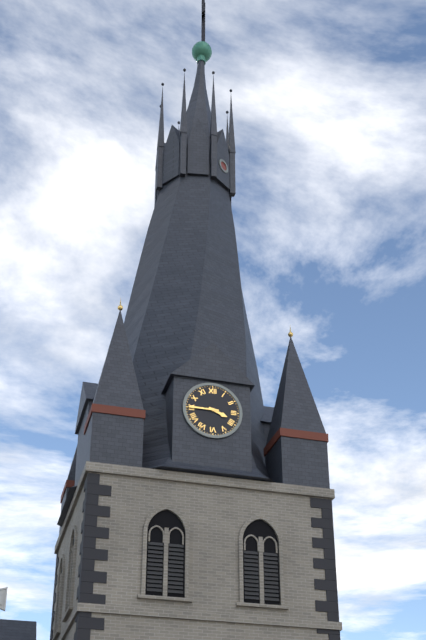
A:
3,45
